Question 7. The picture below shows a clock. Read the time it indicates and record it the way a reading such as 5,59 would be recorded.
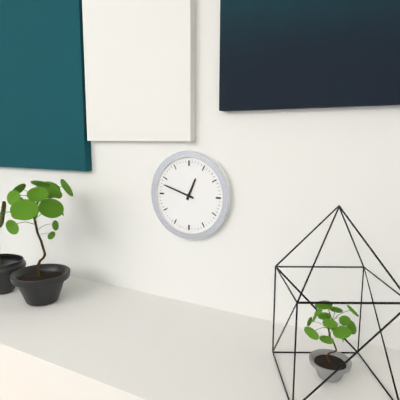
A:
12,48
